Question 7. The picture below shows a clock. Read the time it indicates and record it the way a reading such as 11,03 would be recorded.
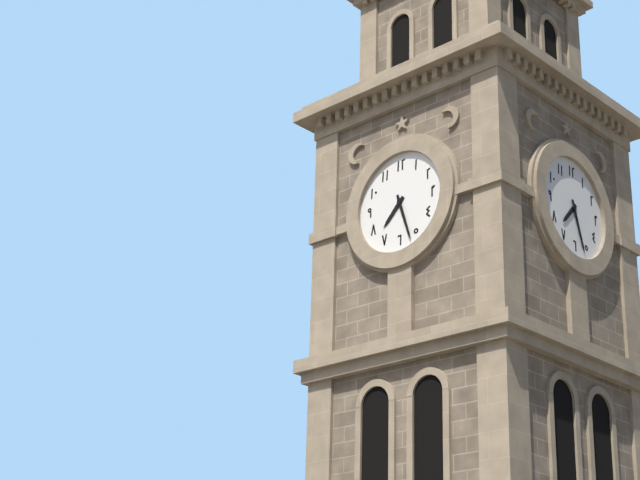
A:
7,27
